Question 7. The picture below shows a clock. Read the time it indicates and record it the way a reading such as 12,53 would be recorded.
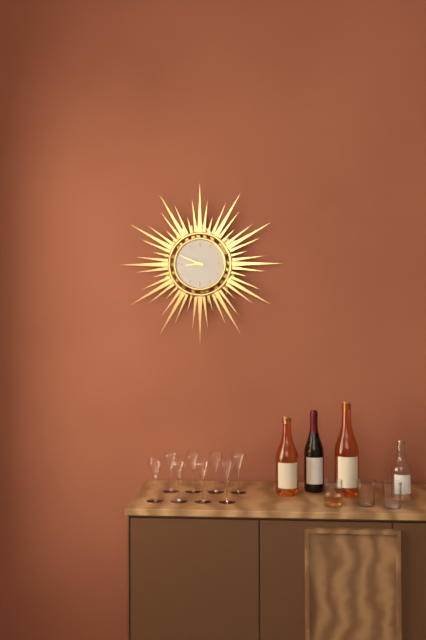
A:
8,49
